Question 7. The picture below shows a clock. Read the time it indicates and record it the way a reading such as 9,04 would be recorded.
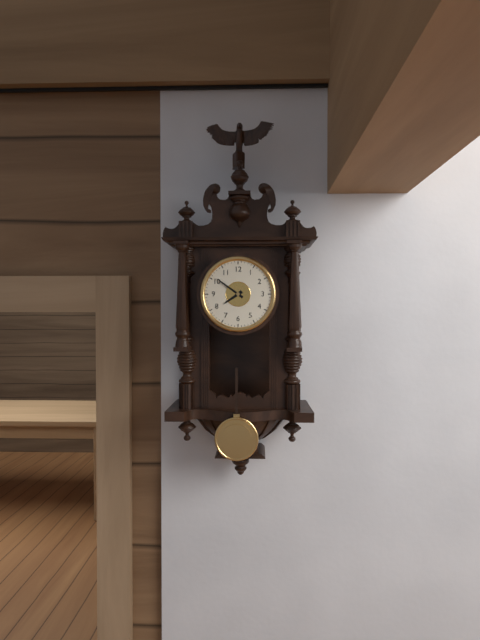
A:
7,51
